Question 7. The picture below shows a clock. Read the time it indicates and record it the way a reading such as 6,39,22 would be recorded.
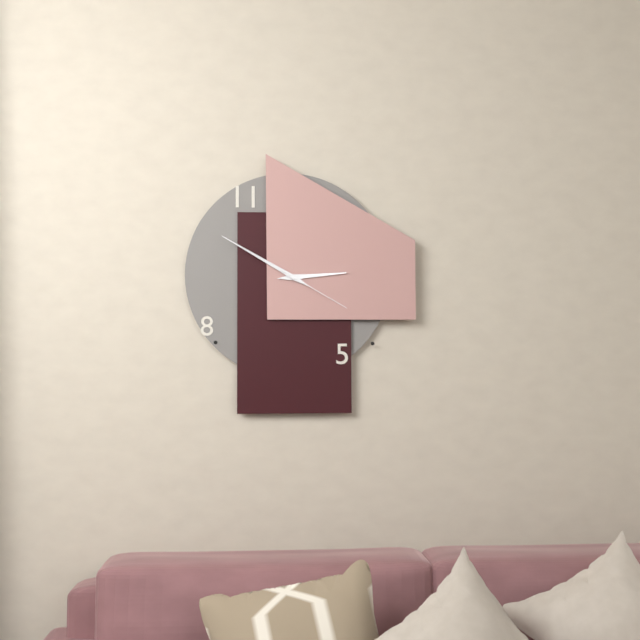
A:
2,50,20
